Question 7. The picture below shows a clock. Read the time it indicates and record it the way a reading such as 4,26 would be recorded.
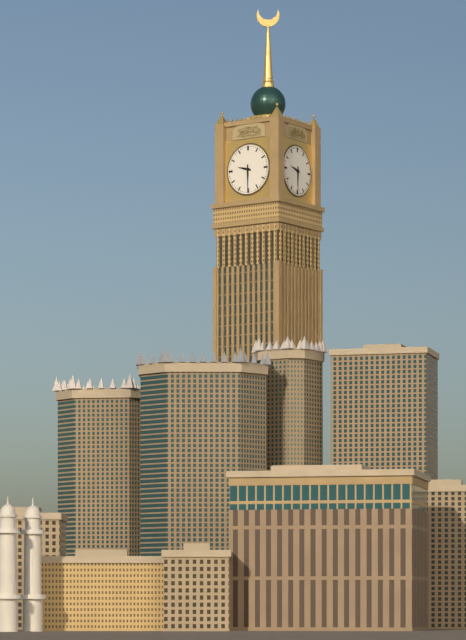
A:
9,30
